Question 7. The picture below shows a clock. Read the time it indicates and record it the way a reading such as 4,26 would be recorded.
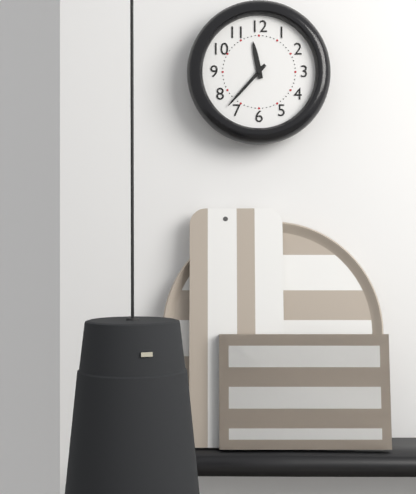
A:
11,37
